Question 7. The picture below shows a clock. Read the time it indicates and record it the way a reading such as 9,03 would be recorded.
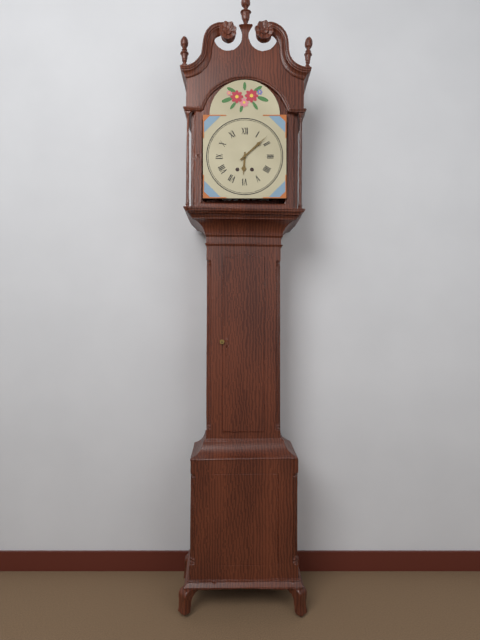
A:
6,08
